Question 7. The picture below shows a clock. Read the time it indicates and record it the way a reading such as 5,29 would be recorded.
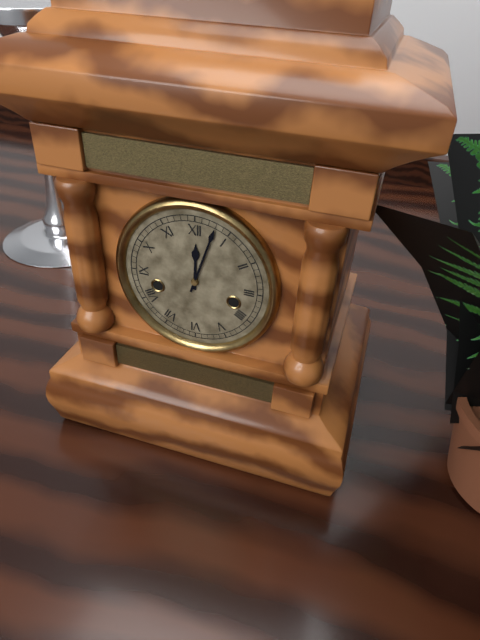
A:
12,03
